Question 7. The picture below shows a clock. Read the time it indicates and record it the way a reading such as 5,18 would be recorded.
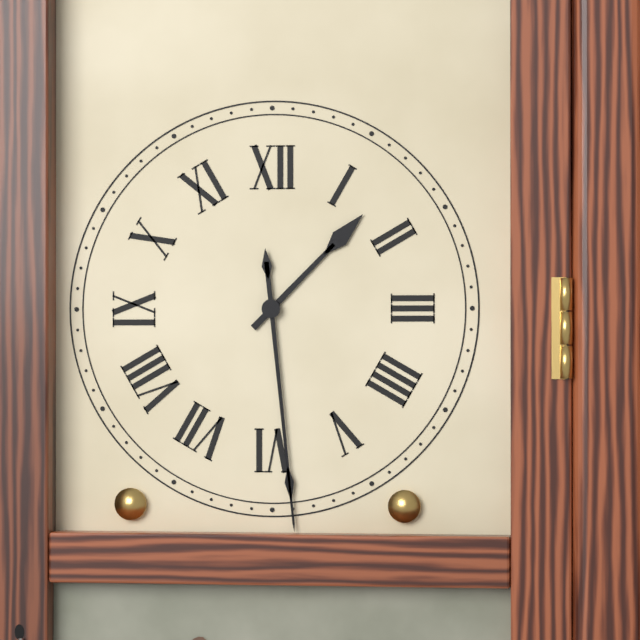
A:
1,29
